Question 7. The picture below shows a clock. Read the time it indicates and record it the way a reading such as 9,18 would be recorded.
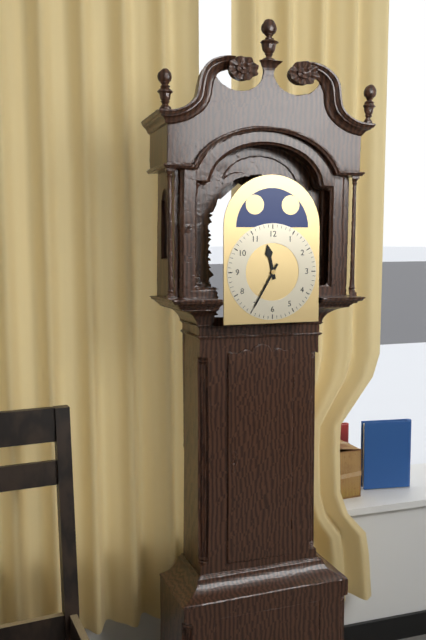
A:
11,35
